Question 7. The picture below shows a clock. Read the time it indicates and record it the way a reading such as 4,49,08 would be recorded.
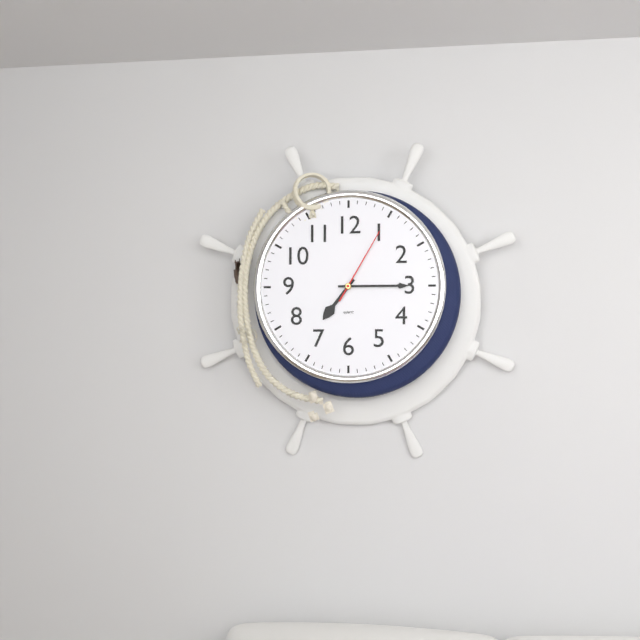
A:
7,15,05
